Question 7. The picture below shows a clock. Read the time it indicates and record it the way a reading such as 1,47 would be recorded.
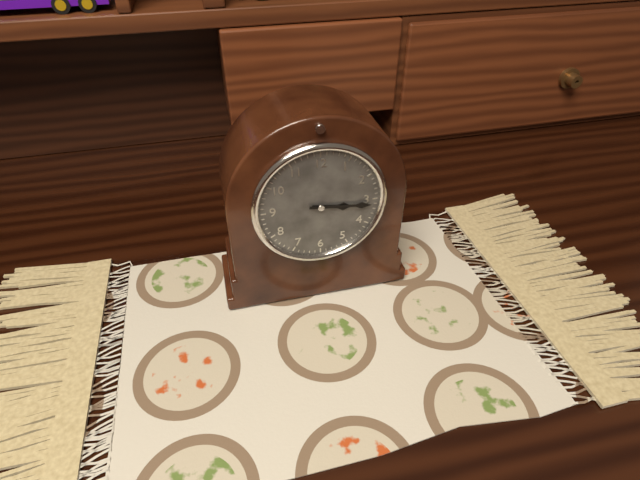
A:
3,16
